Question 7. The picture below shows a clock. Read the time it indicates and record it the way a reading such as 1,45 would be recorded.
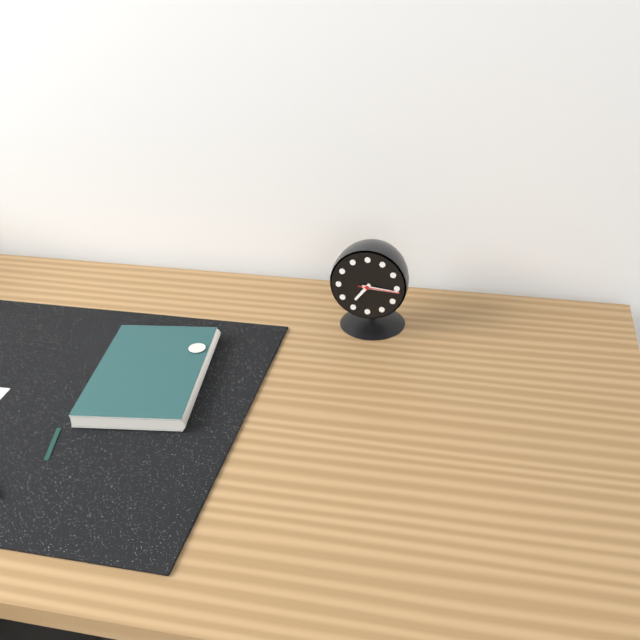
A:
7,16
